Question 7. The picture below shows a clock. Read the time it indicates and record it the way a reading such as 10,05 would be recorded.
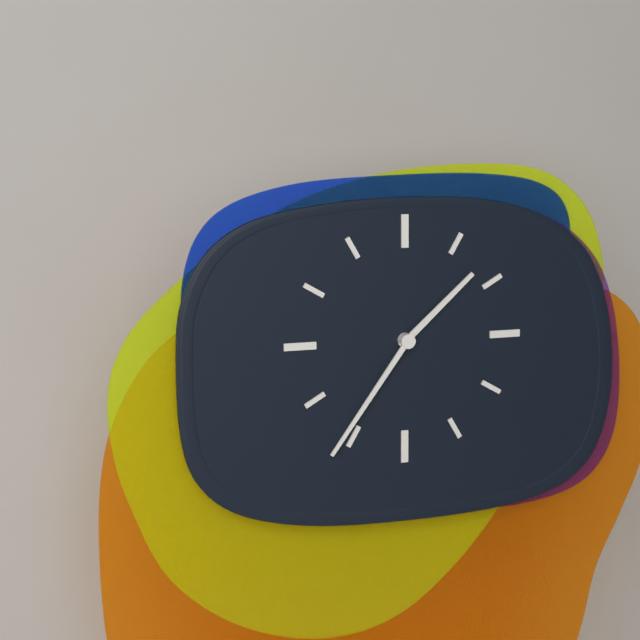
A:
1,36
